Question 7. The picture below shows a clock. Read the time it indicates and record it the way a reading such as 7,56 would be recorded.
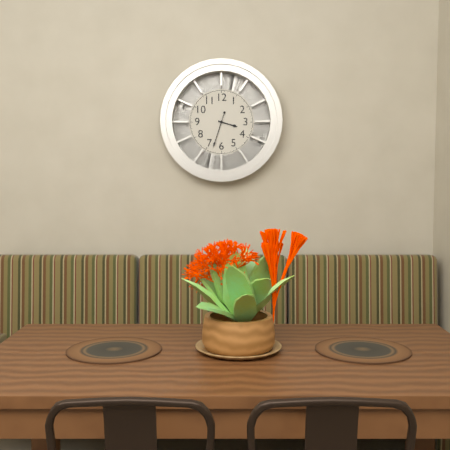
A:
3,33
